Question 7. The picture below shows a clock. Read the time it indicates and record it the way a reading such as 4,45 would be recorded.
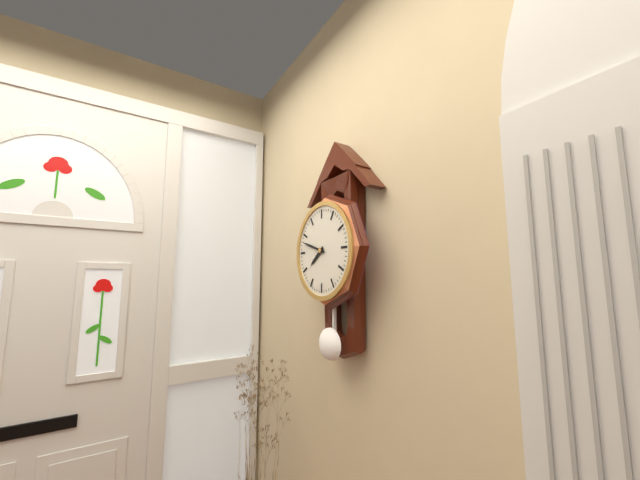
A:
7,48
